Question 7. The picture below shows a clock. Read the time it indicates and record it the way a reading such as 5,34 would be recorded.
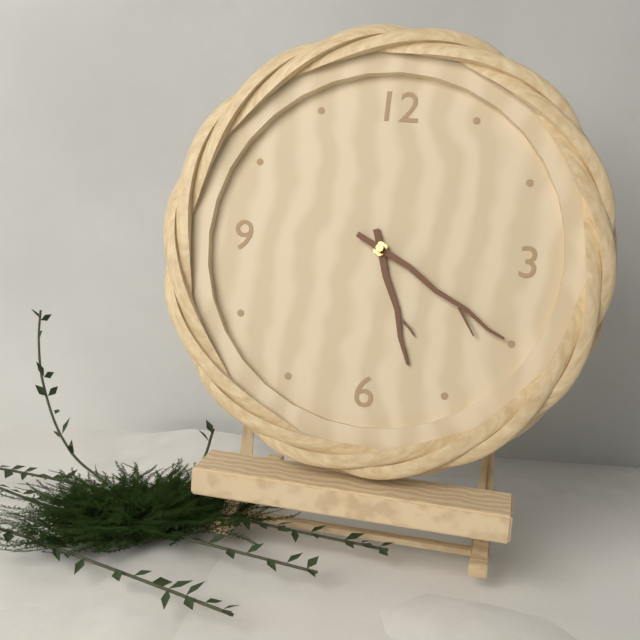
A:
5,20
